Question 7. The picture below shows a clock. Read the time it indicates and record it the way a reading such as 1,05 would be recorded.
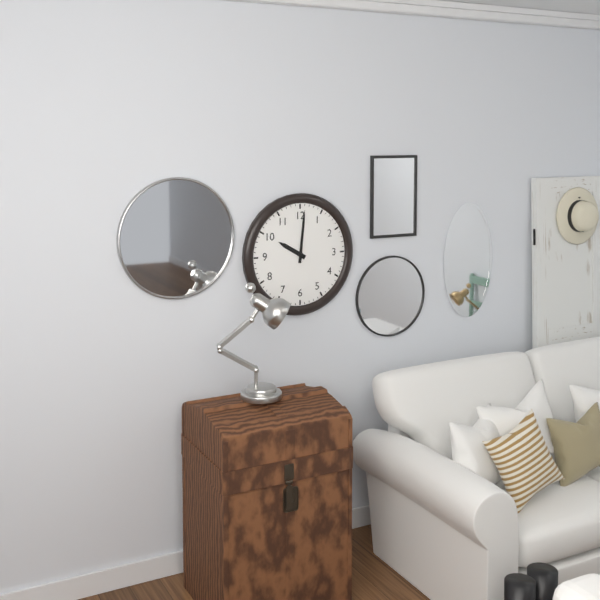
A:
10,01
